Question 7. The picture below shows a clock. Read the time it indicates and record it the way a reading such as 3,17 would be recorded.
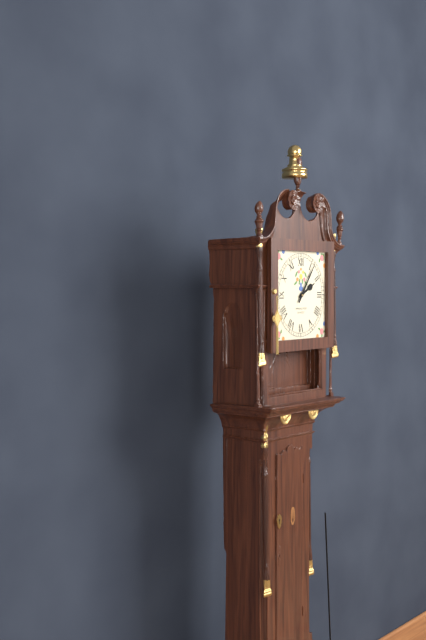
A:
2,06
